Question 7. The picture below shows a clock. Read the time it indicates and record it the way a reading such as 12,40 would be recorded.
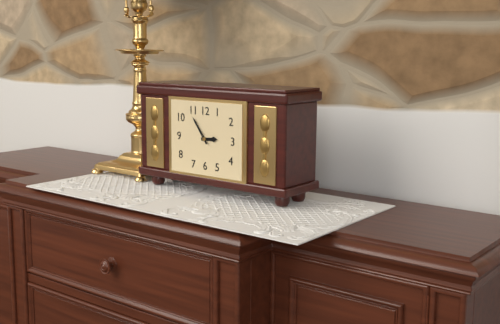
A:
2,54
